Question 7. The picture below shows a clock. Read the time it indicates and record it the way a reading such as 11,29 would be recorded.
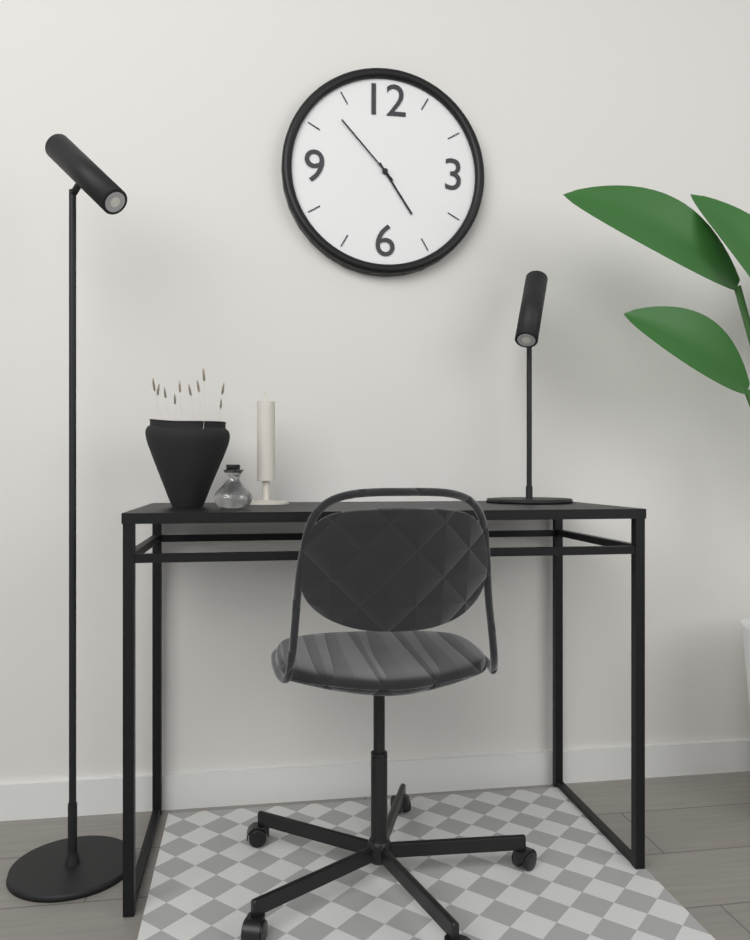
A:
4,53
